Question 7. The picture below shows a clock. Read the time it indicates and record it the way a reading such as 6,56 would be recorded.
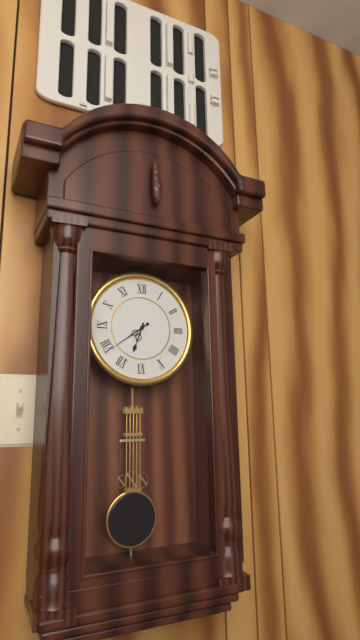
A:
6,39
